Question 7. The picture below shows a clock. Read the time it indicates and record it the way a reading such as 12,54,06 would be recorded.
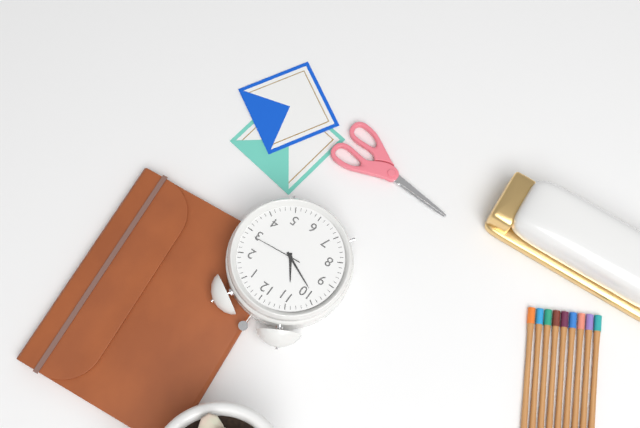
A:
10,49,14
